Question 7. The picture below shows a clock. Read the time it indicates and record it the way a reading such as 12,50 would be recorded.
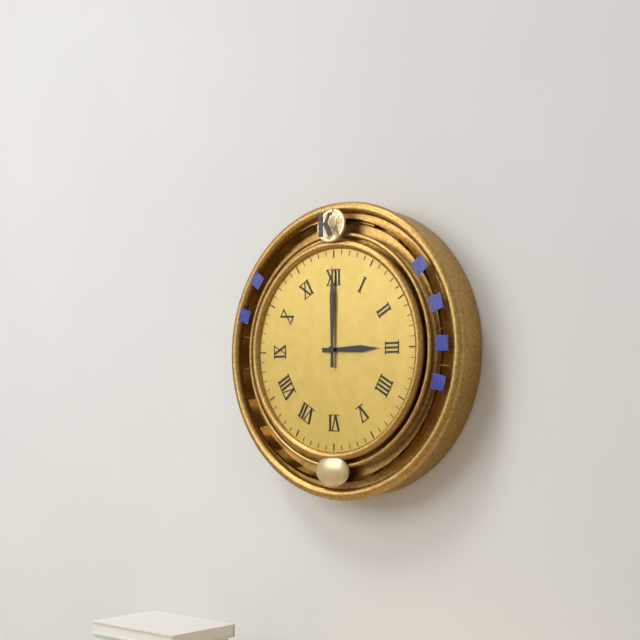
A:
3,00
